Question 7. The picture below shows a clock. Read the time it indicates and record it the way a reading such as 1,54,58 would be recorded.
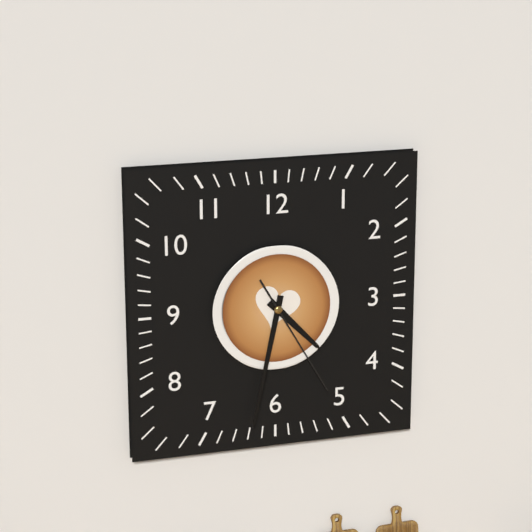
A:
4,32,25
